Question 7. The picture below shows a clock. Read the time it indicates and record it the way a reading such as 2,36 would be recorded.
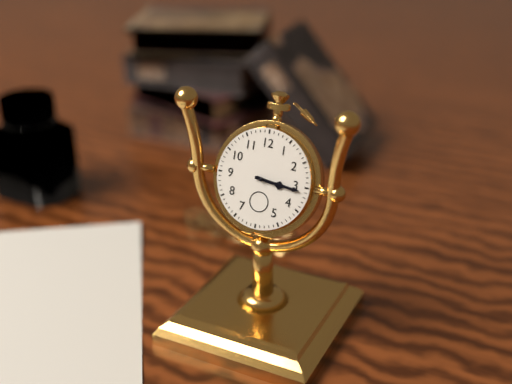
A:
3,16
